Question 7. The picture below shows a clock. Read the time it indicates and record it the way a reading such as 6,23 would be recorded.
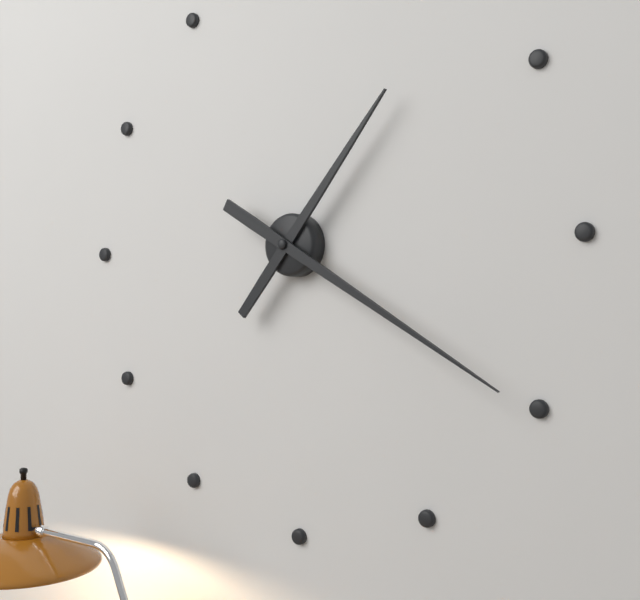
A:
1,20
